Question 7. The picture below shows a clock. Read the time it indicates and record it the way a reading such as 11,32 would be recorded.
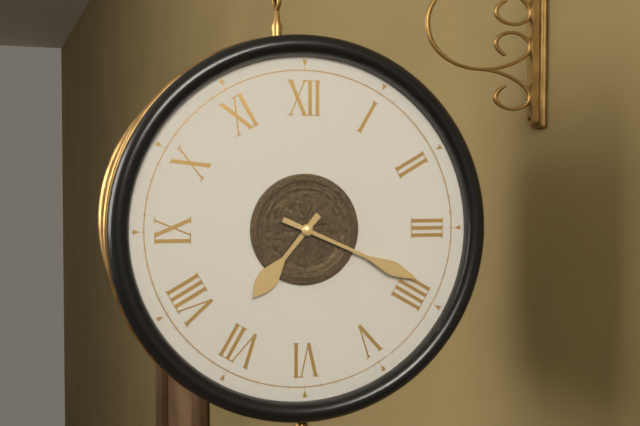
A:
7,19
